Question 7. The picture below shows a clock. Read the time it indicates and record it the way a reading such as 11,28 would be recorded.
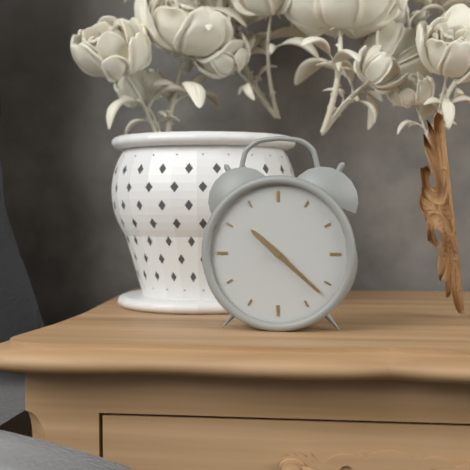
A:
10,22
